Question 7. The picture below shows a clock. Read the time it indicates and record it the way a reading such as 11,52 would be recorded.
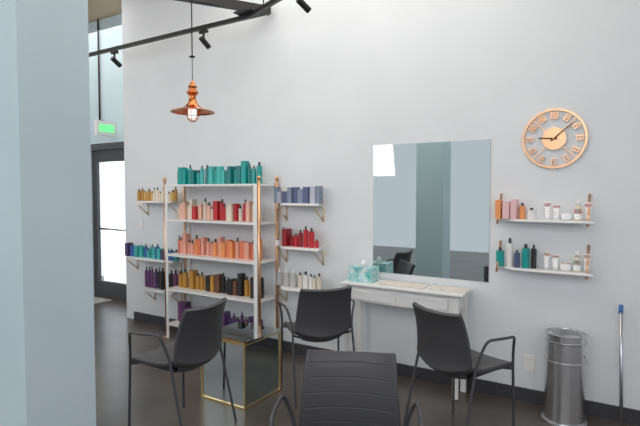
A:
9,08
